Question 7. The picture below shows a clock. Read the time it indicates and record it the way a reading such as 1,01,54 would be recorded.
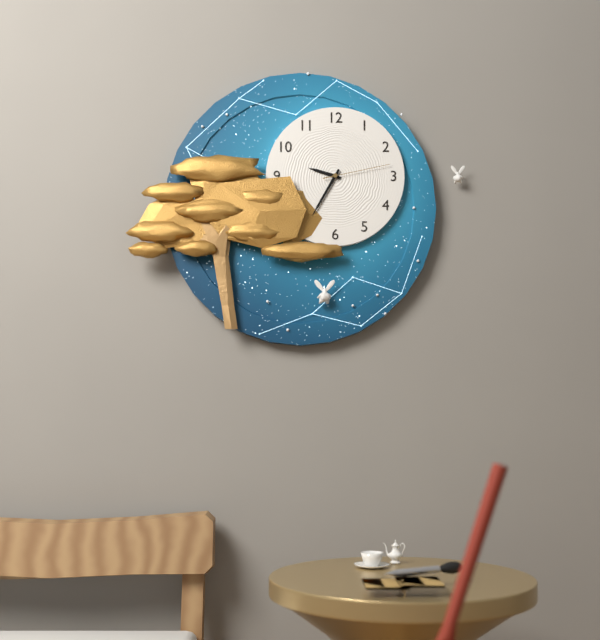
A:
9,35,13
